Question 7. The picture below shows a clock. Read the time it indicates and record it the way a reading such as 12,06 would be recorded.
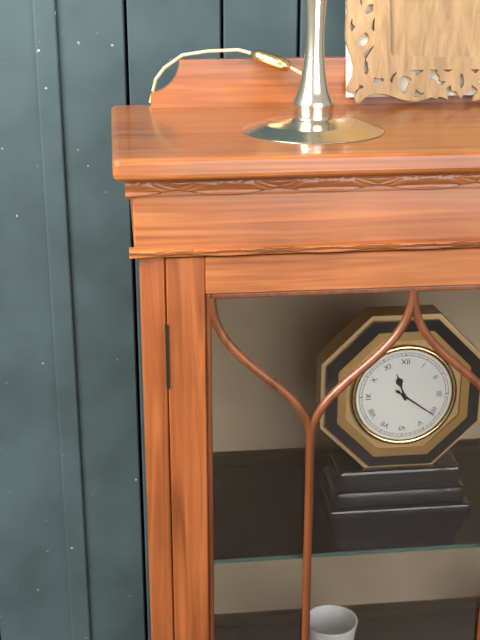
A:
11,21
